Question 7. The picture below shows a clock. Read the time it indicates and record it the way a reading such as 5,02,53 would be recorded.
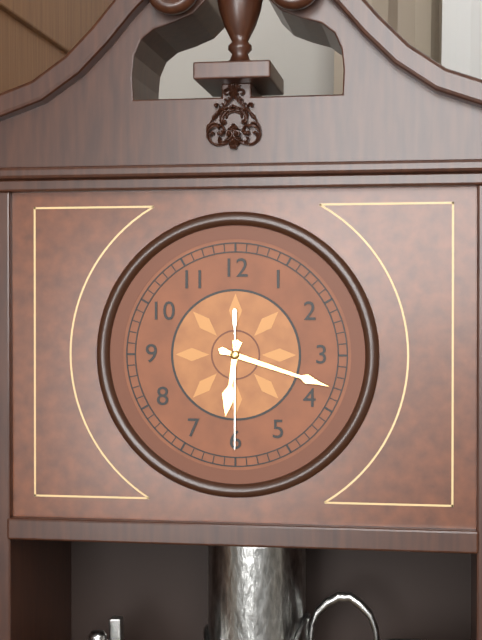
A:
6,18,30
